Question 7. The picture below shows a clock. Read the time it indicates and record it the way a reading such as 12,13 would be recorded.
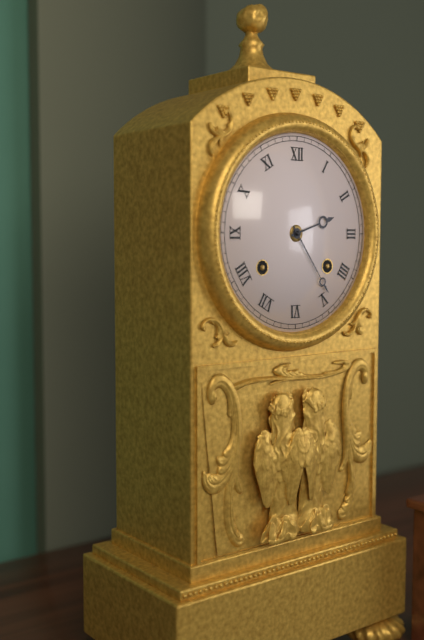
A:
2,24
